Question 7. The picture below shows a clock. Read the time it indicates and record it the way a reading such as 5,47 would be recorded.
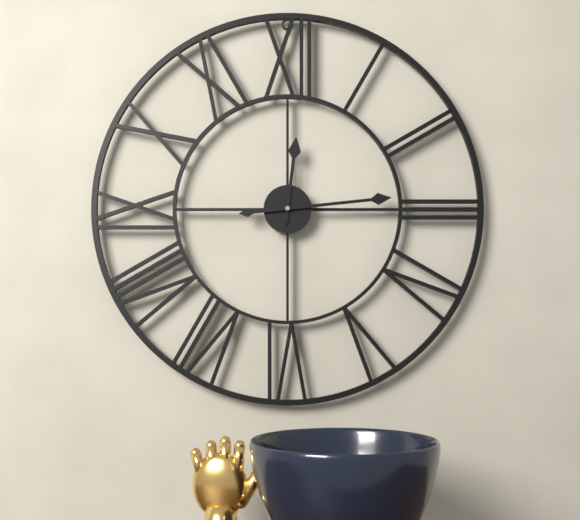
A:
12,14
